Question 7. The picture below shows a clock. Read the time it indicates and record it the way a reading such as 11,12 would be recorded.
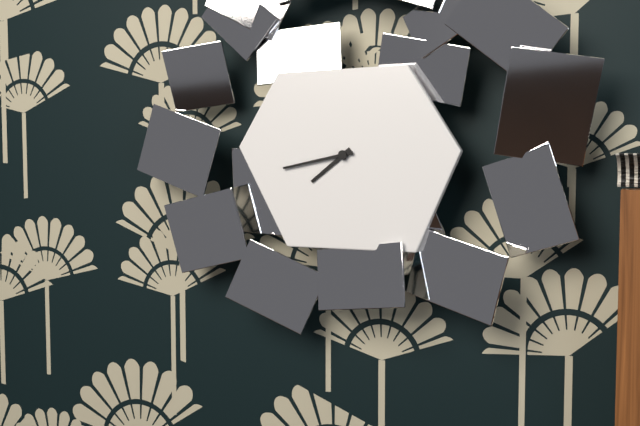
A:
7,43
